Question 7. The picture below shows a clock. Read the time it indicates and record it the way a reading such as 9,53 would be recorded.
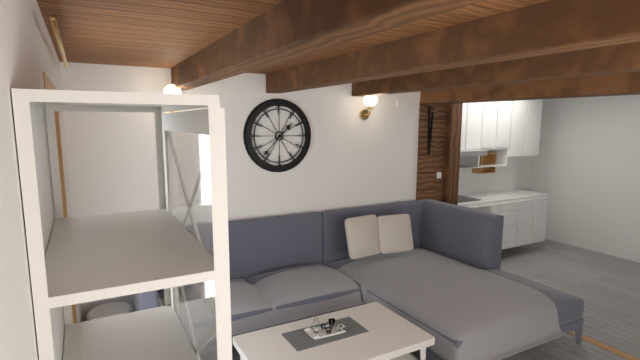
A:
1,37
